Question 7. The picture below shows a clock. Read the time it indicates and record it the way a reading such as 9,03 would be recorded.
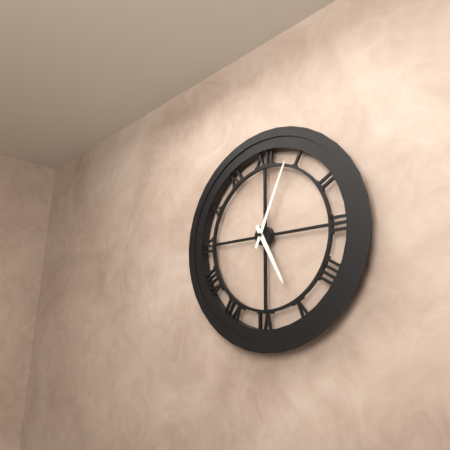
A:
5,04
